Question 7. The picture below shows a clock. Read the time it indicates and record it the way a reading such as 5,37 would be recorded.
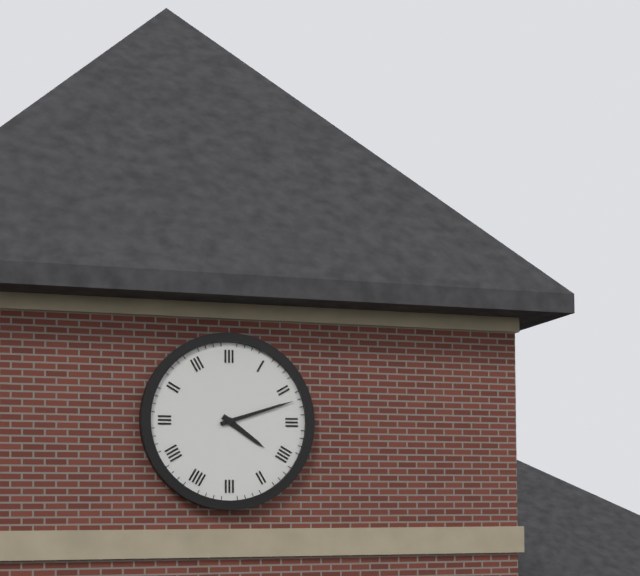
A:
4,12
